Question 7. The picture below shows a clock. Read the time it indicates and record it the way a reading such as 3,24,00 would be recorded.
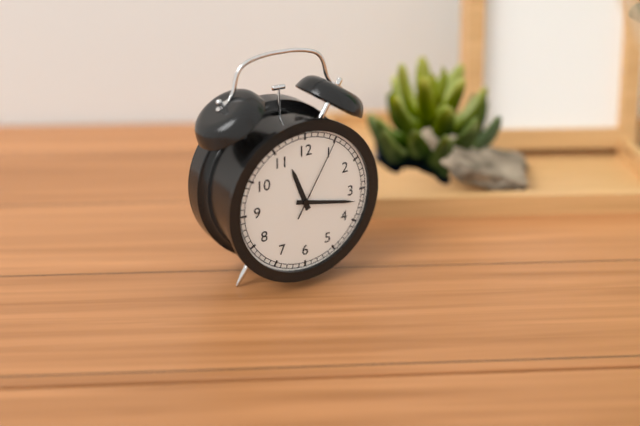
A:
11,17,05
